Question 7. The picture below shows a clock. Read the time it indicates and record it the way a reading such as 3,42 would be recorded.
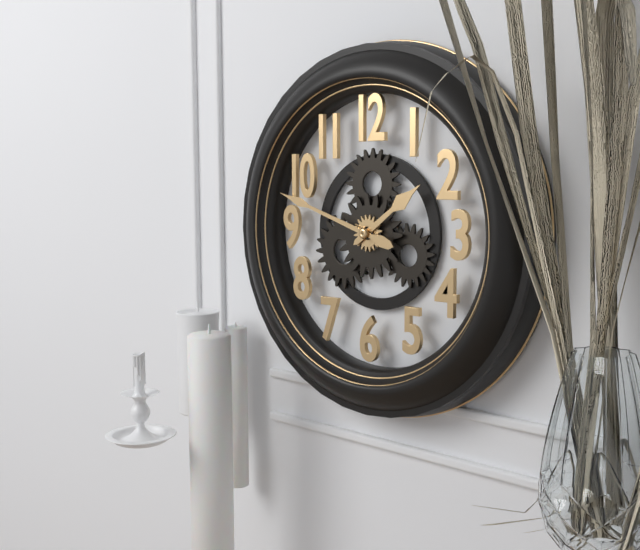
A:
1,48
